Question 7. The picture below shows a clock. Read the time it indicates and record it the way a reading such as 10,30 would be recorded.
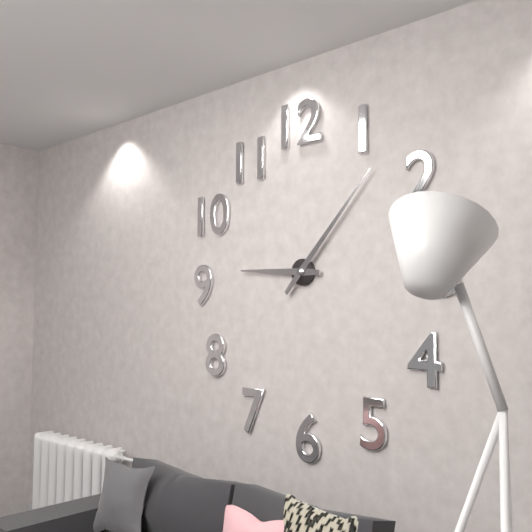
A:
9,07
